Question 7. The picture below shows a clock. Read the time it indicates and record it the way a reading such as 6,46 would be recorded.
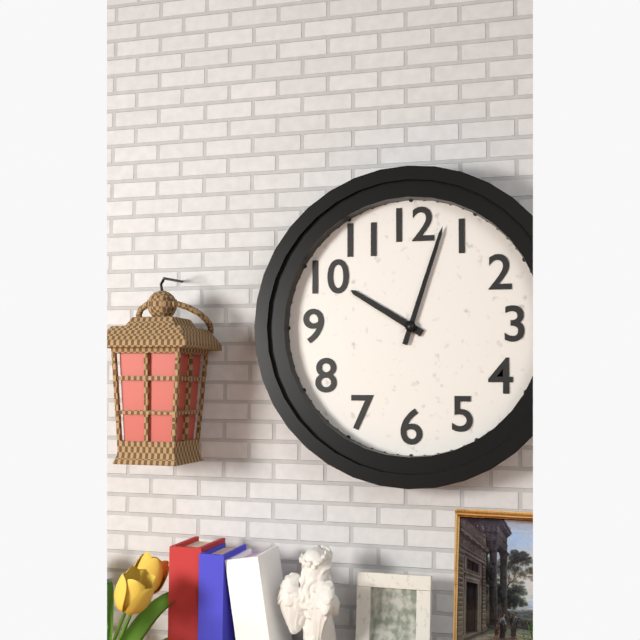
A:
10,03
